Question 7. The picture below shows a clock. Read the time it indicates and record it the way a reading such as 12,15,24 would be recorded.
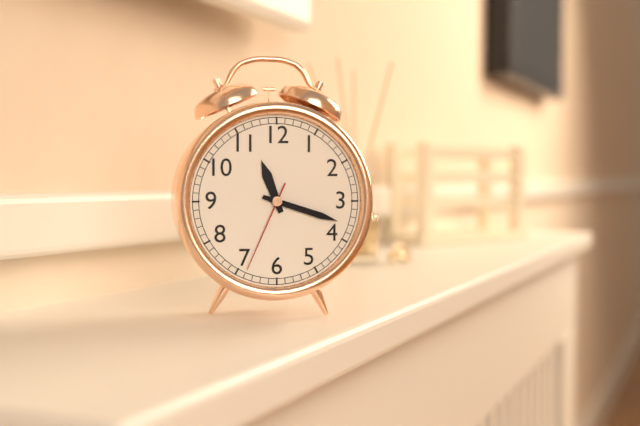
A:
11,18,34
